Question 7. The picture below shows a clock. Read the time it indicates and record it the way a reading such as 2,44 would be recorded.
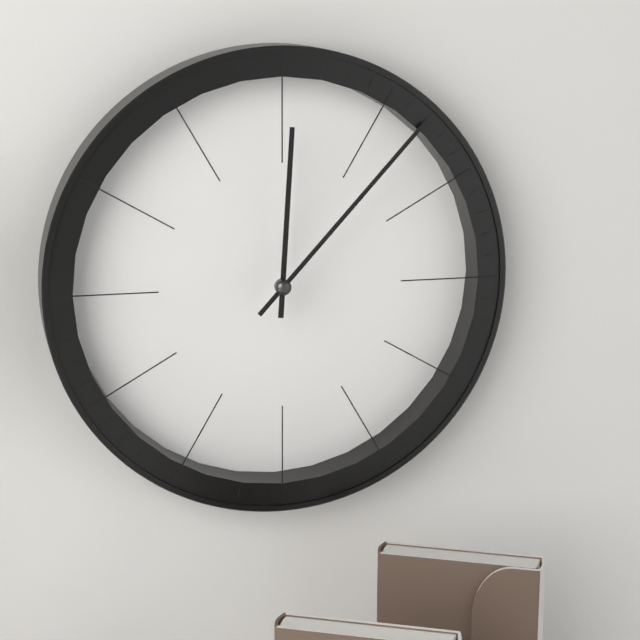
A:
12,07
